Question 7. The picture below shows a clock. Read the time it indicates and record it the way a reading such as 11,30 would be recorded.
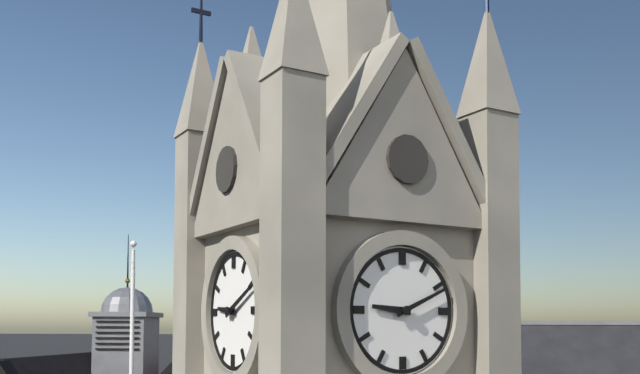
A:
9,11
